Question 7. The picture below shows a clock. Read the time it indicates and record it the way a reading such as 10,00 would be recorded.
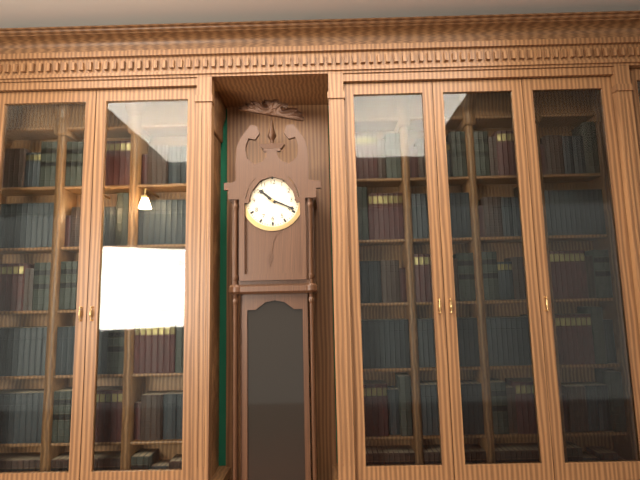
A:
10,19
